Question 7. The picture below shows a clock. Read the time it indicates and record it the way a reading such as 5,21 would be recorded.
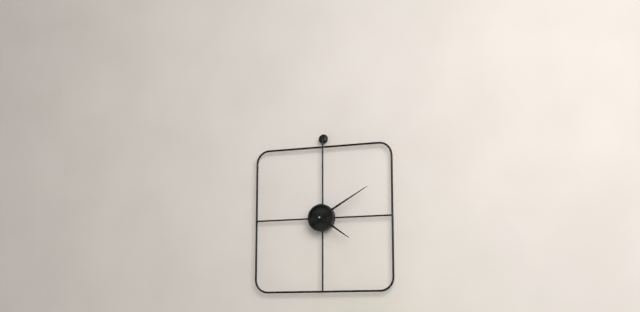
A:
4,10
